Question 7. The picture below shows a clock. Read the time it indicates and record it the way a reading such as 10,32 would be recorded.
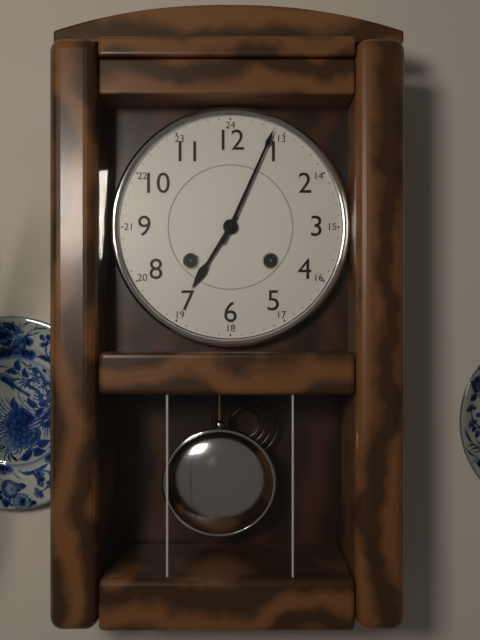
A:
7,04
